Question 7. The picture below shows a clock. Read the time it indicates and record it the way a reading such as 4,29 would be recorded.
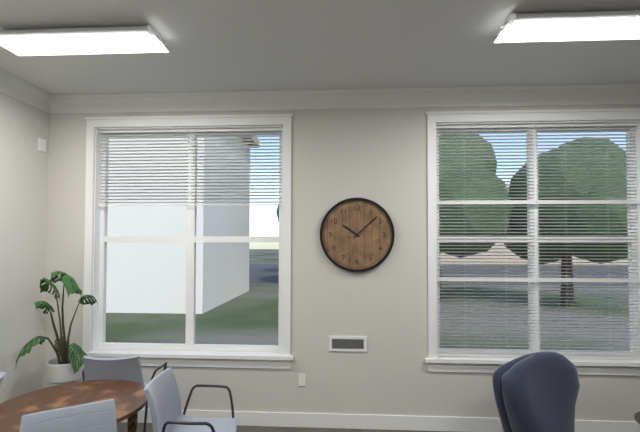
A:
10,08
